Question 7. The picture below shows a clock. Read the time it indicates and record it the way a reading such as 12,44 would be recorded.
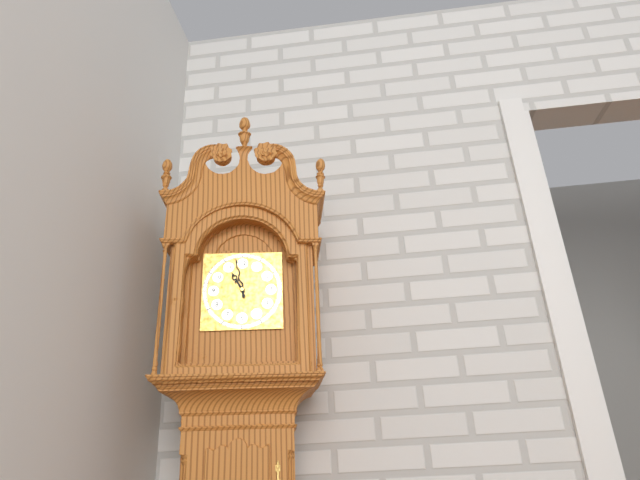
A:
10,58
